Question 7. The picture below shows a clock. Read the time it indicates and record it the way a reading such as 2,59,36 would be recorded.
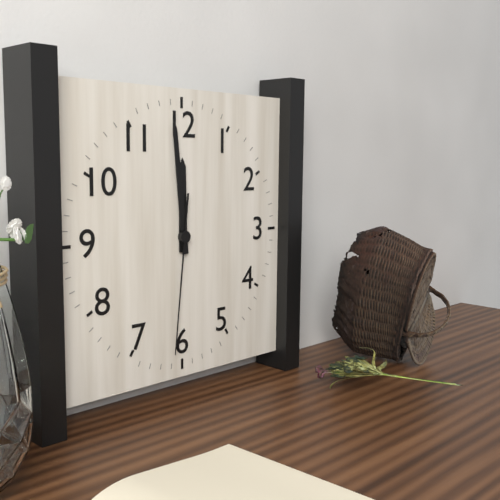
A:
11,59,31
